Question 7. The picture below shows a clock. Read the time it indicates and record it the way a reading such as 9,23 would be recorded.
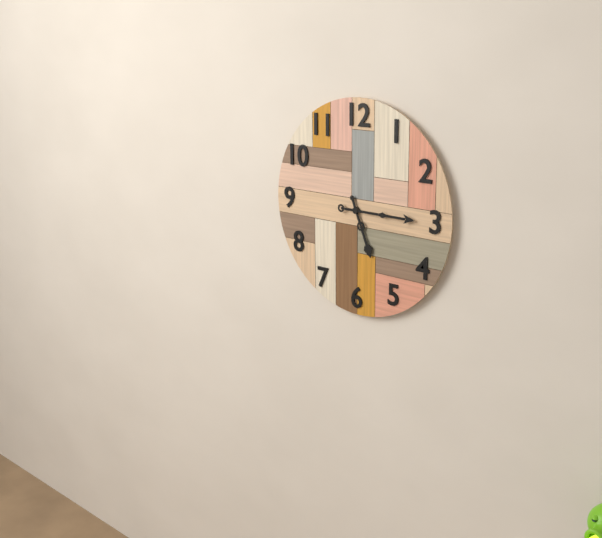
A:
5,15
